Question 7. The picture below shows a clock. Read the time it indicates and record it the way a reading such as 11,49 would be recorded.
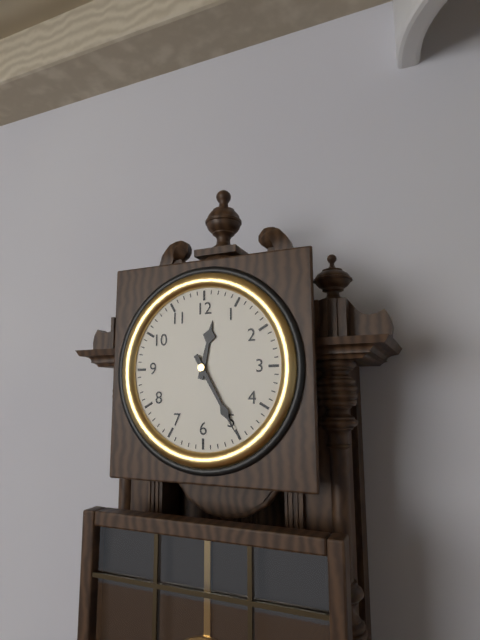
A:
12,25
